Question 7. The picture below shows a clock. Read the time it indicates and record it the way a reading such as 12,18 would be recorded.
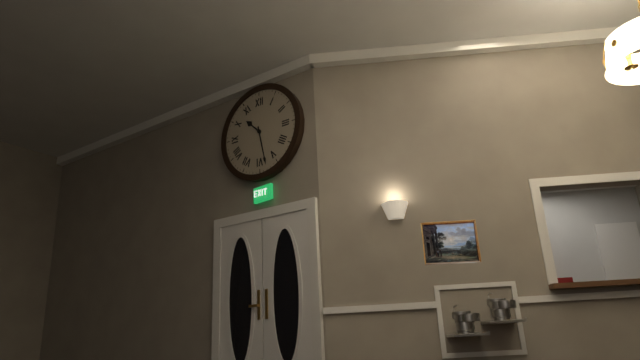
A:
10,28
